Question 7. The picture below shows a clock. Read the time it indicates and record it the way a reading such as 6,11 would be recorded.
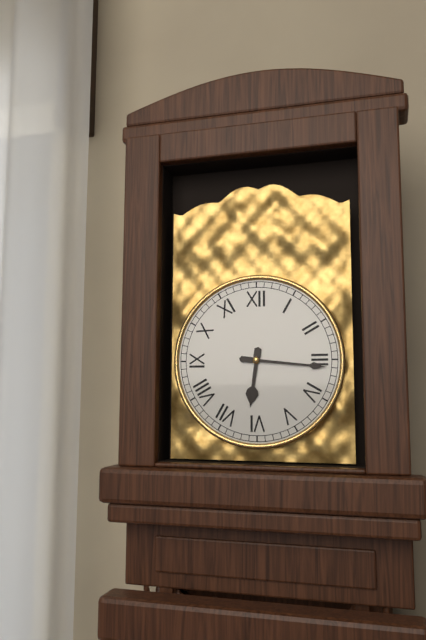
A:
6,16
